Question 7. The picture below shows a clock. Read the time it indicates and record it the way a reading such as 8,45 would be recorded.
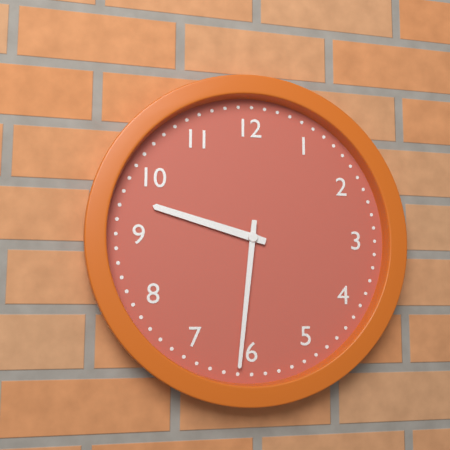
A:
9,31
